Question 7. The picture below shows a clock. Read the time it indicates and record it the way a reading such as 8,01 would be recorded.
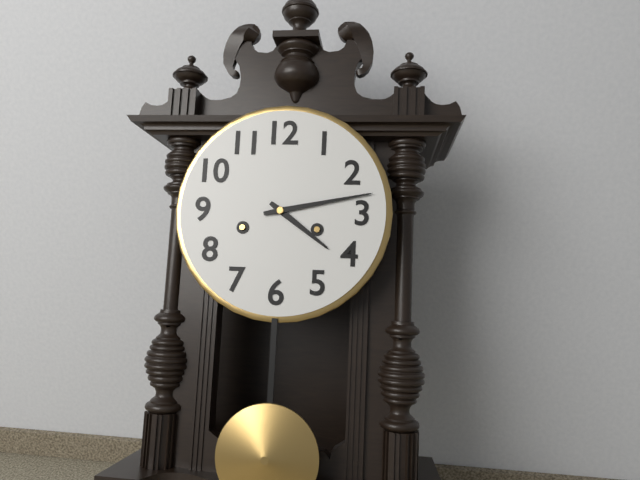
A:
4,13
